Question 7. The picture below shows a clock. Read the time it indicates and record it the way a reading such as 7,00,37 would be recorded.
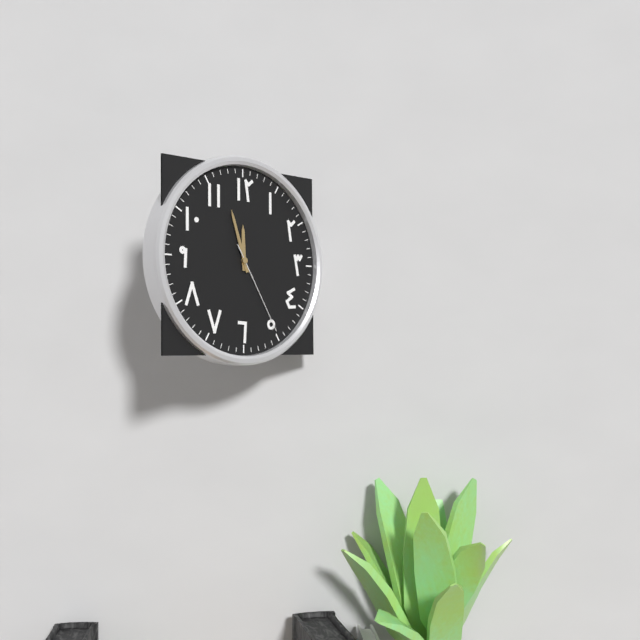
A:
11,57,25
